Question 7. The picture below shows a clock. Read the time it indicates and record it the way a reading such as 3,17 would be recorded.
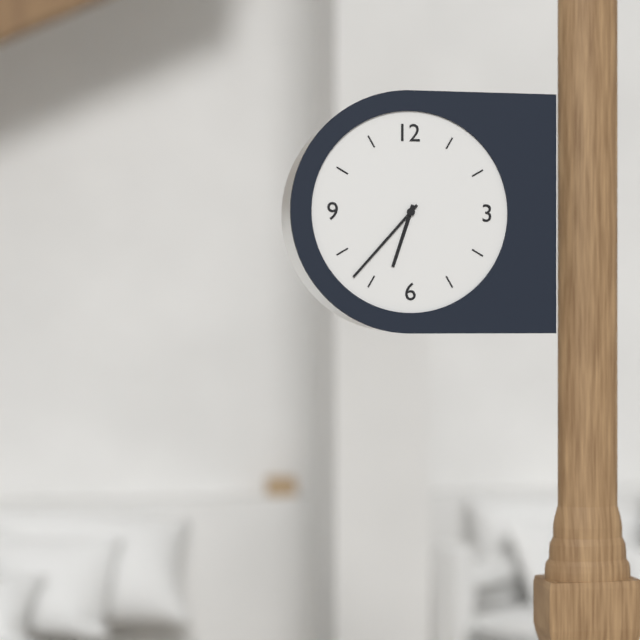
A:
6,37
